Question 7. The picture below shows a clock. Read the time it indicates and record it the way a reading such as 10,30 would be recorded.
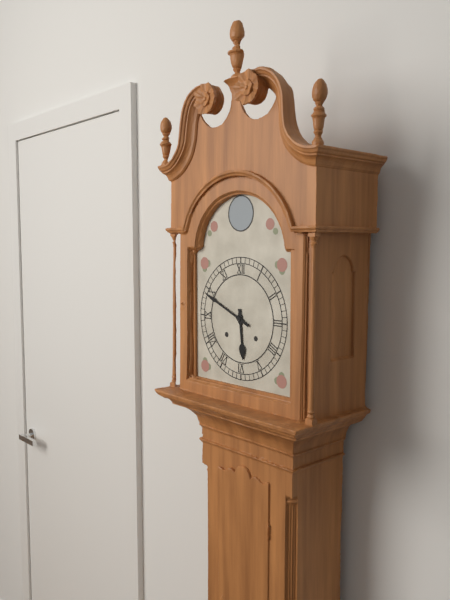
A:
5,49
